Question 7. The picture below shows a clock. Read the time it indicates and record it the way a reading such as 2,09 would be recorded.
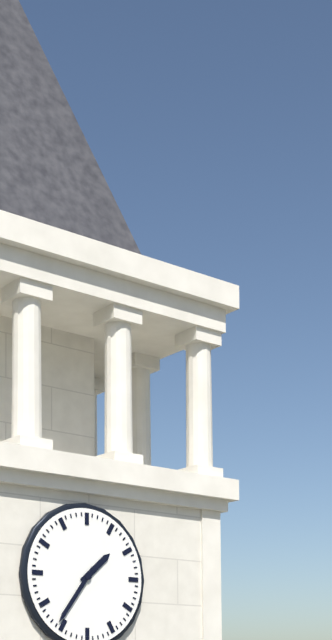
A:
1,36
